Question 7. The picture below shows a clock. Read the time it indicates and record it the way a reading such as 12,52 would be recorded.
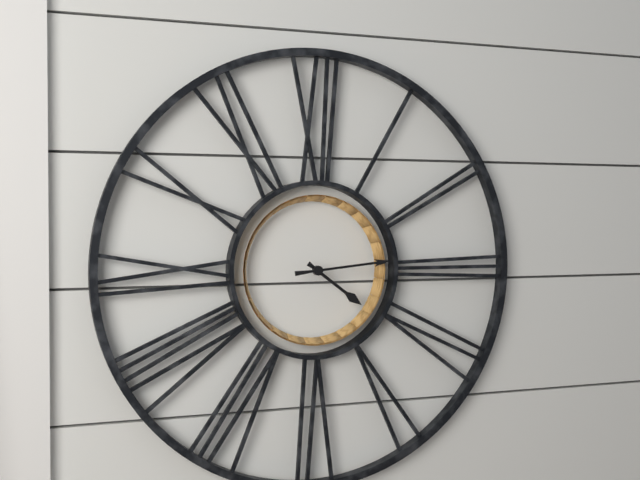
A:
4,14
